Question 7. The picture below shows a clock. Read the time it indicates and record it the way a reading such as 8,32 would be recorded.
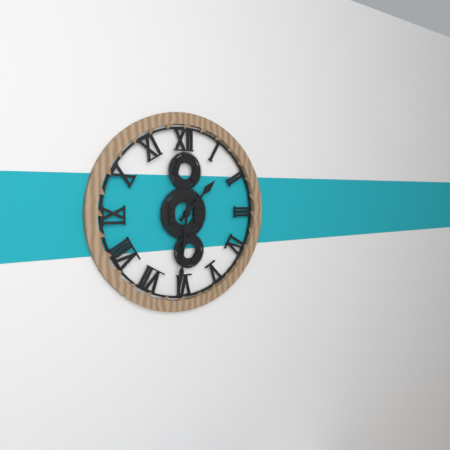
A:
1,31
